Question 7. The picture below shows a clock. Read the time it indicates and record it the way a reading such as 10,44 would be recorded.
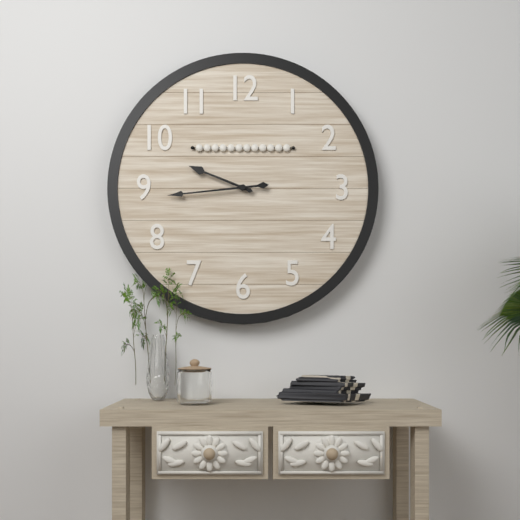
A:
9,44
